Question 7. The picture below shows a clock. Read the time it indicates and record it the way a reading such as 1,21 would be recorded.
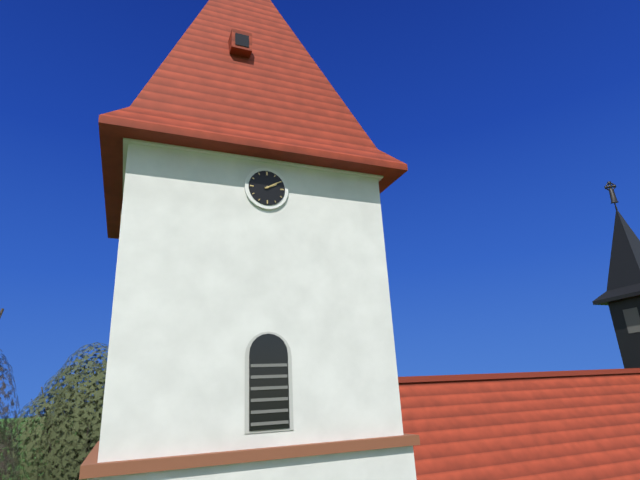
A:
2,10
